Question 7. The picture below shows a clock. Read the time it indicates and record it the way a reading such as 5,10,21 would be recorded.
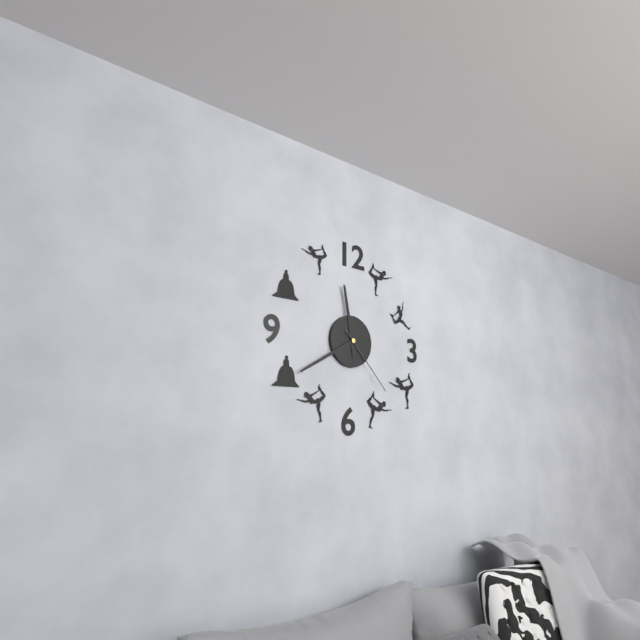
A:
11,40,23
